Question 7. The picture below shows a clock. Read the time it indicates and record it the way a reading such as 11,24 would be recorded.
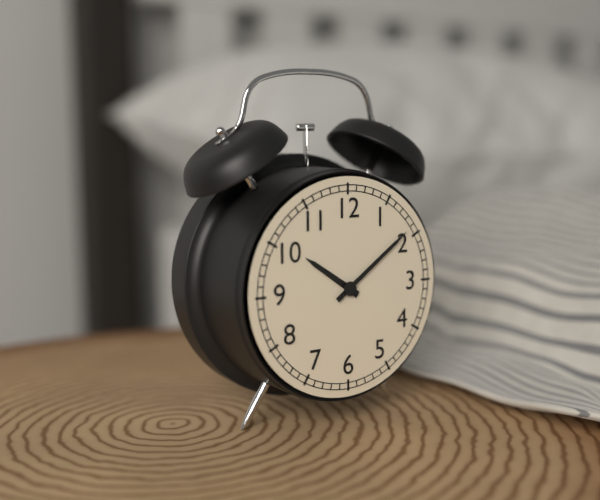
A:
10,09
